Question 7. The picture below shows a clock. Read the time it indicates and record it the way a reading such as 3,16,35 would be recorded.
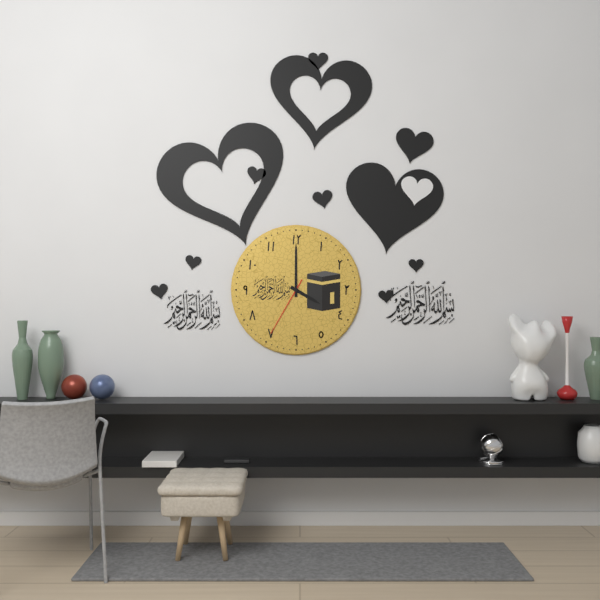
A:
4,00,35
